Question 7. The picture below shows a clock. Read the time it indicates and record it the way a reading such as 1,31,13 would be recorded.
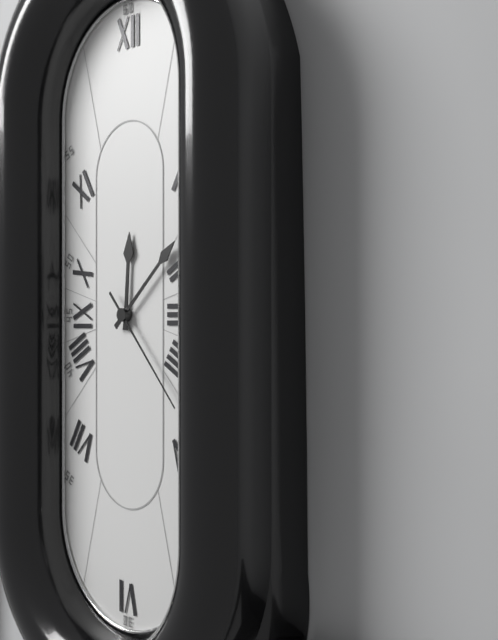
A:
12,08,23
